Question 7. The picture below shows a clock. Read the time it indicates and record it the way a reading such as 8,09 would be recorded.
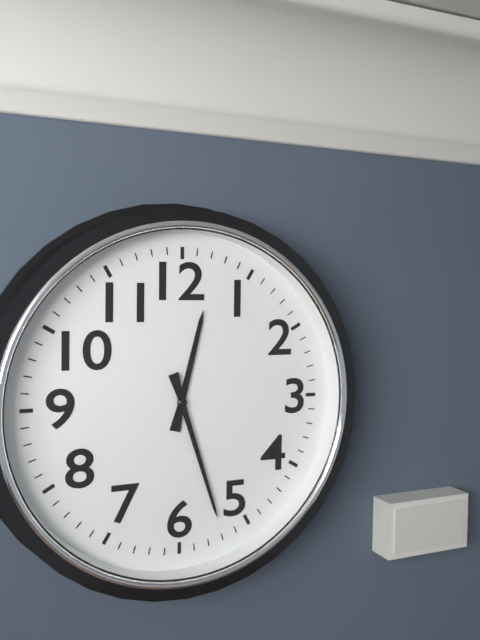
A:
12,27
